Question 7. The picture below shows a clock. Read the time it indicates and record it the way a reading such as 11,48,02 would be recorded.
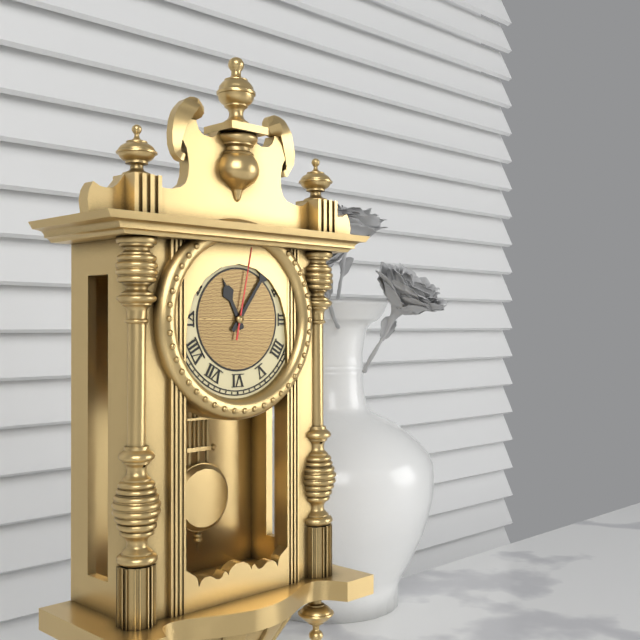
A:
11,06,02
